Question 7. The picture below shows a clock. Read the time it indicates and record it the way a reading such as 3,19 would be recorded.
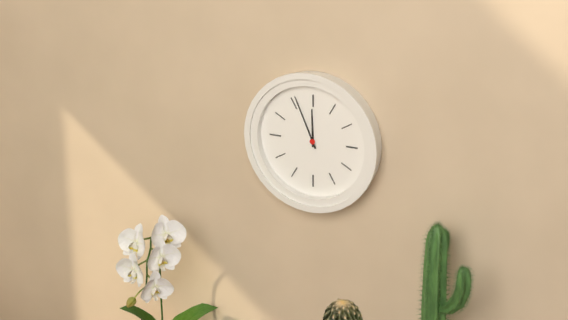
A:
11,56
